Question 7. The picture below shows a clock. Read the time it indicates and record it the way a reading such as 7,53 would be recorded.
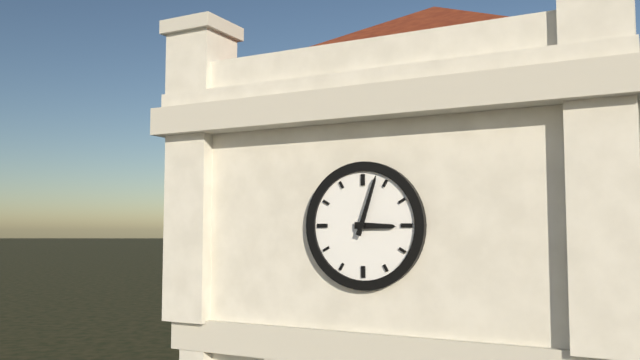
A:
3,03
